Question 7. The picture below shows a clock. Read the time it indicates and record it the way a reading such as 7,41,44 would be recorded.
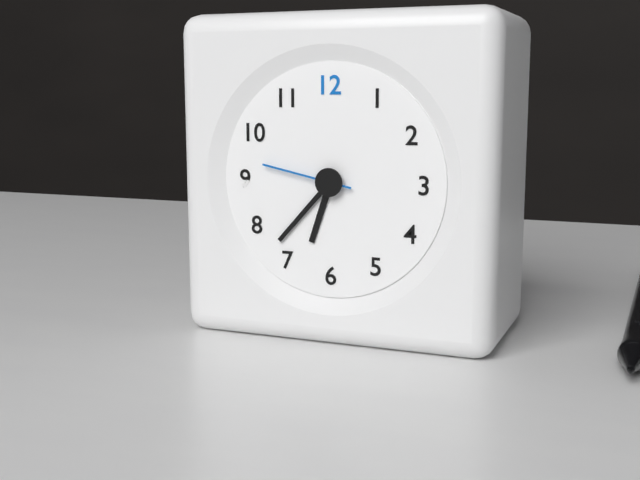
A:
6,37,47
